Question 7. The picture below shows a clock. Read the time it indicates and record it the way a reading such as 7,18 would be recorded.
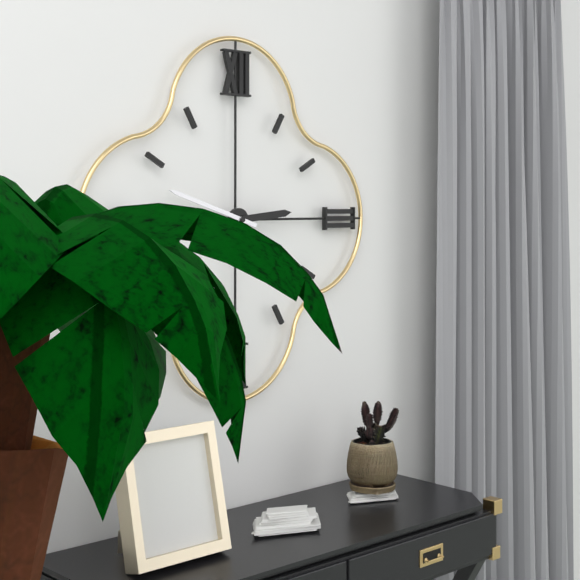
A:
2,48
